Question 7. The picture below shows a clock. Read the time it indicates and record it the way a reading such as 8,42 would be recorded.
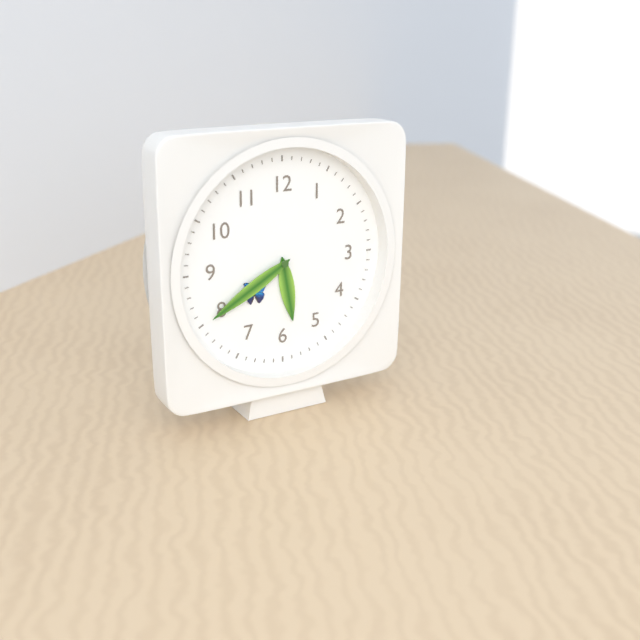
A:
5,40
